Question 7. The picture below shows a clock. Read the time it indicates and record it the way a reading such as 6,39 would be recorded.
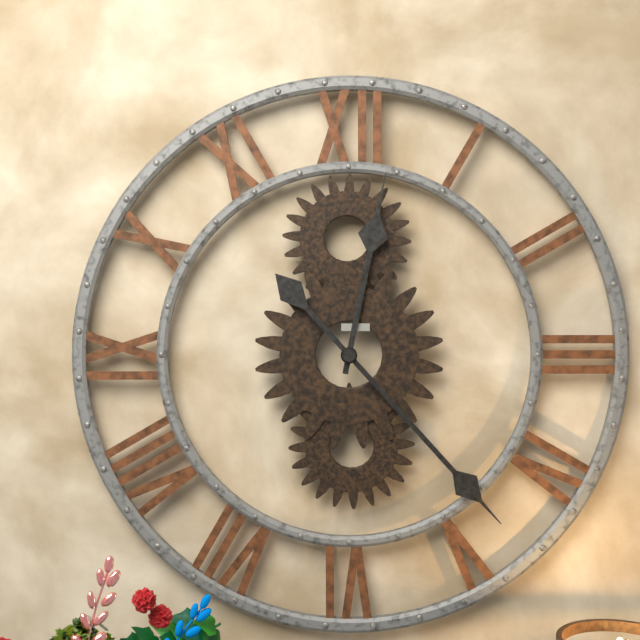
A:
12,23
